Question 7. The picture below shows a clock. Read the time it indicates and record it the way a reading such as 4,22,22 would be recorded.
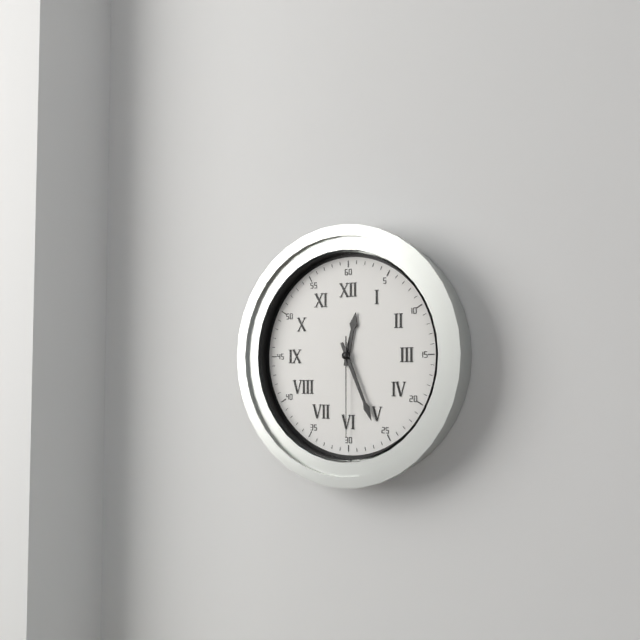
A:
12,26,30
